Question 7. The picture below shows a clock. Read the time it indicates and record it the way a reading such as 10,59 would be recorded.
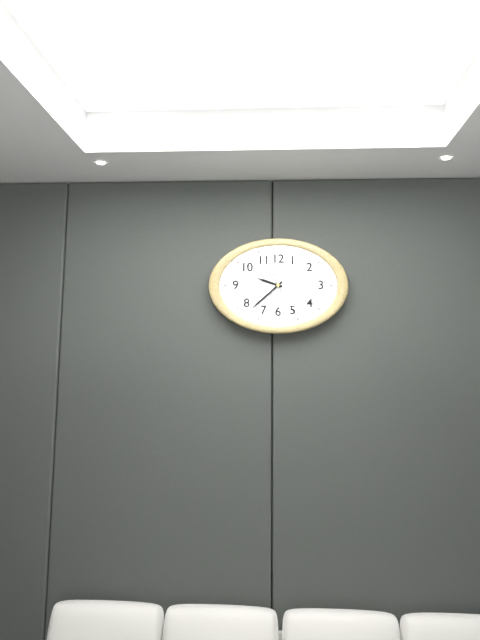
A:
9,38
